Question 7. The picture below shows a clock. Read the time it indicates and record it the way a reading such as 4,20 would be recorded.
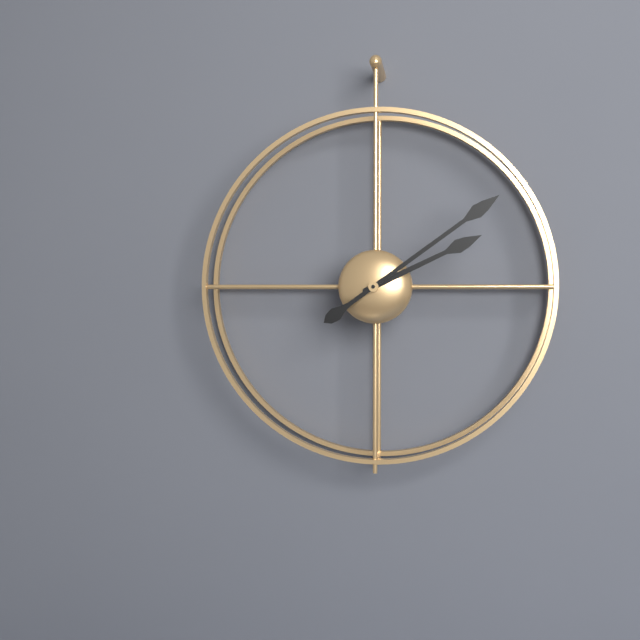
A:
2,09
